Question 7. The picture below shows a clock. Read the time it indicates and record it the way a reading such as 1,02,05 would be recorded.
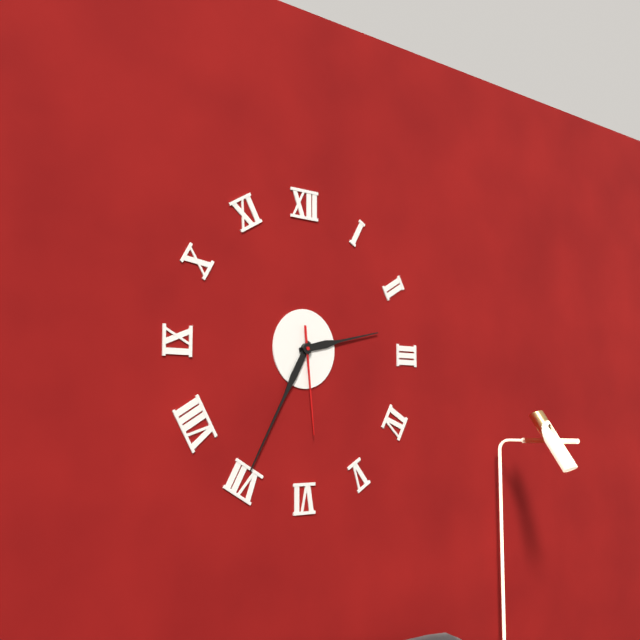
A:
2,35,29
